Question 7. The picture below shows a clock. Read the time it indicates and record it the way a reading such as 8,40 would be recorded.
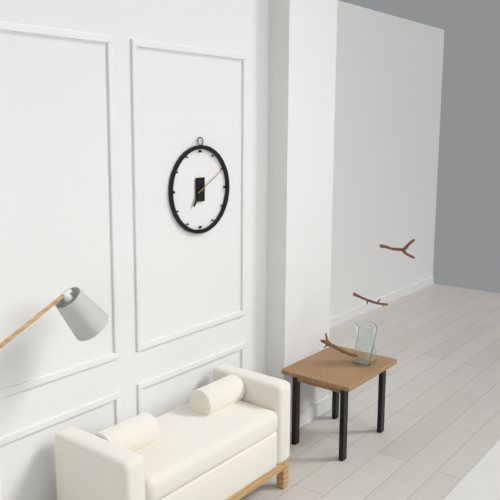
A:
7,10
